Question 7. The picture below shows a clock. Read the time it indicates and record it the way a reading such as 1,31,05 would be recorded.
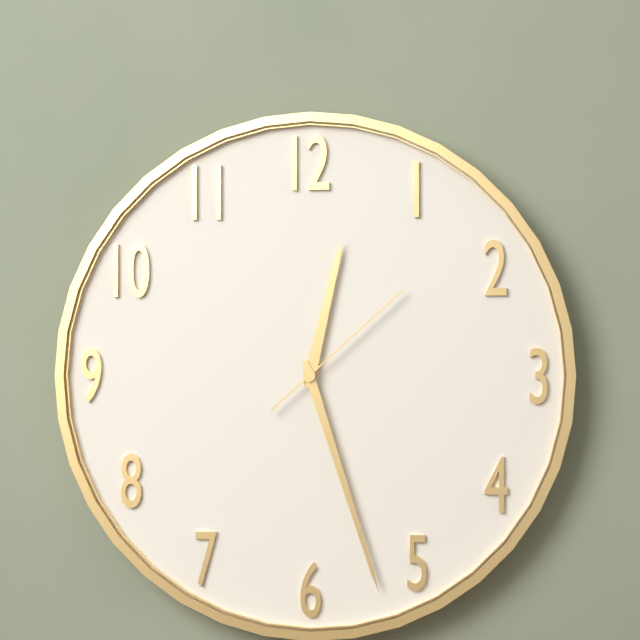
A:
12,27,08
